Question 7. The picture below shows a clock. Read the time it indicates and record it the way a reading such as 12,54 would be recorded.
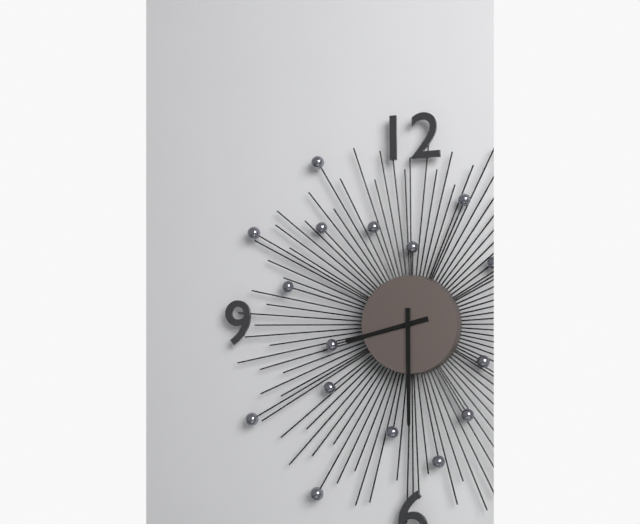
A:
8,30
